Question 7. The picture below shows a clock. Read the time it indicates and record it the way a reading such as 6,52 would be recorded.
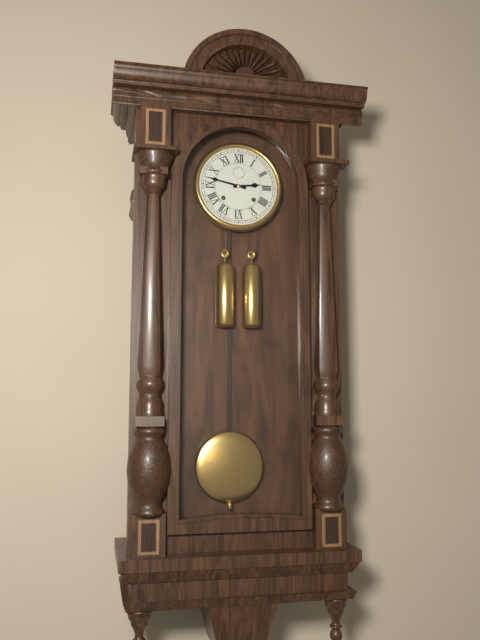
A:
2,47
